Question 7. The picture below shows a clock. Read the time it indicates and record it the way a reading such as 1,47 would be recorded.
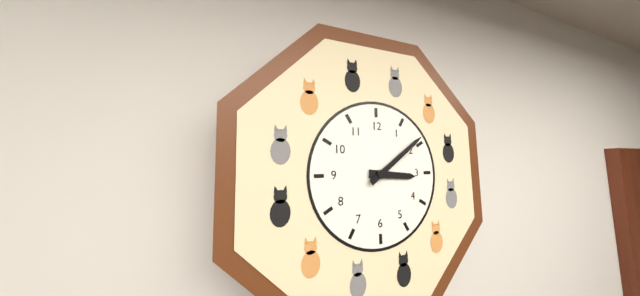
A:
3,09
